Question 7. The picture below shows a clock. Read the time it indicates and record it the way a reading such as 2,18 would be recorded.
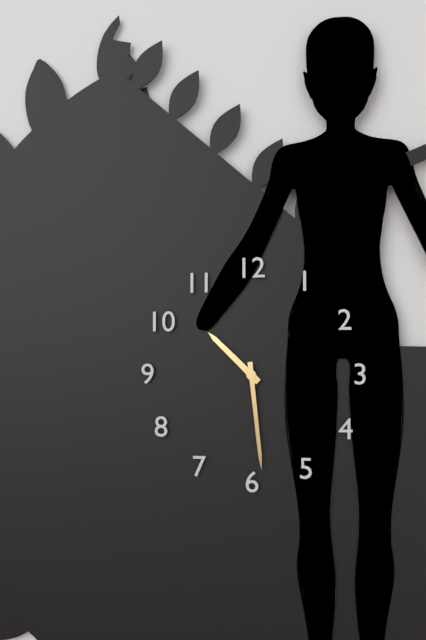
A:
10,29
